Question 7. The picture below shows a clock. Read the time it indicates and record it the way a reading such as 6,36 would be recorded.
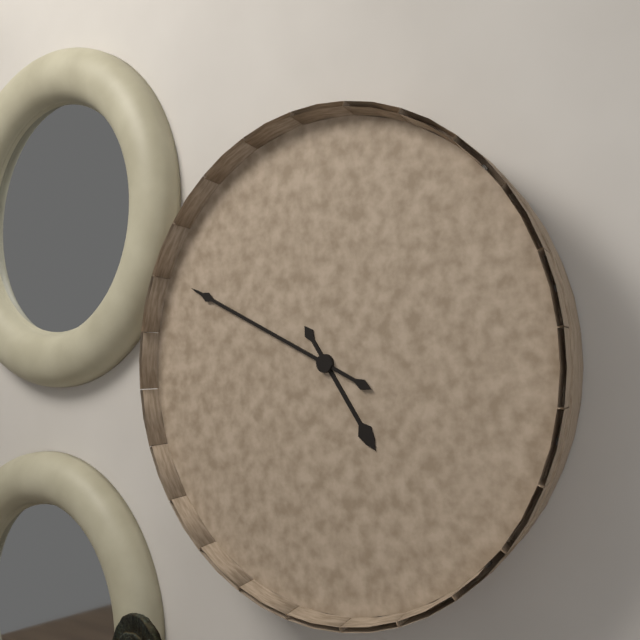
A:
4,49
